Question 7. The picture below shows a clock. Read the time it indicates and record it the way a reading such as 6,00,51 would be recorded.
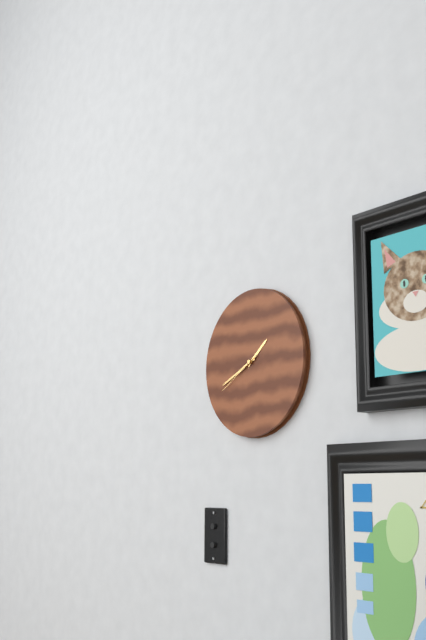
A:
1,41,40
